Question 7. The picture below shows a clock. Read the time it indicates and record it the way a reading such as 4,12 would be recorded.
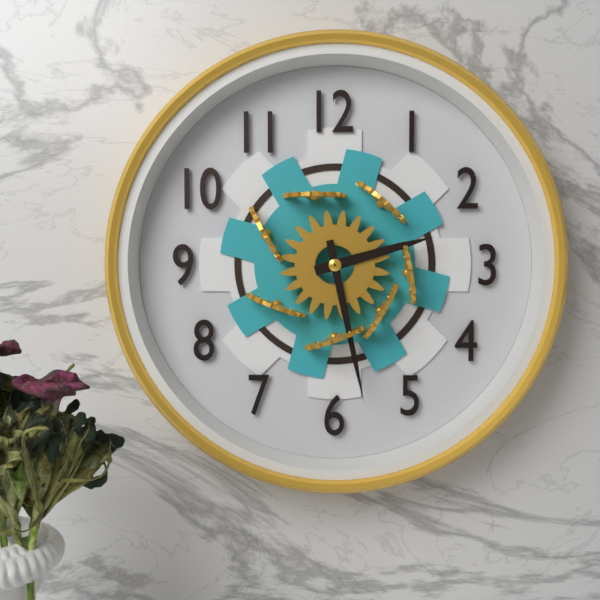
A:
2,28
